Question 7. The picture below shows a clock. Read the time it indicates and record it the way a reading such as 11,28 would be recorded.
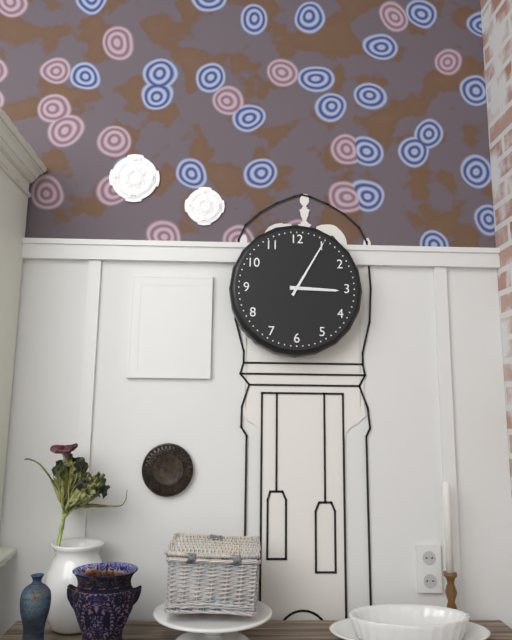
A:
3,05
